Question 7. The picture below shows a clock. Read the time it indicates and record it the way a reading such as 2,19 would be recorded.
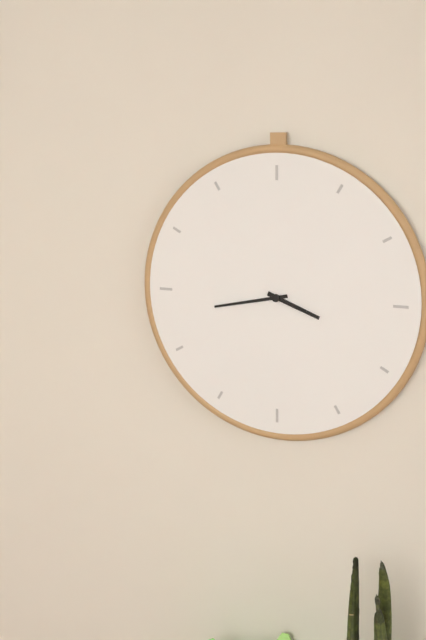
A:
3,43
